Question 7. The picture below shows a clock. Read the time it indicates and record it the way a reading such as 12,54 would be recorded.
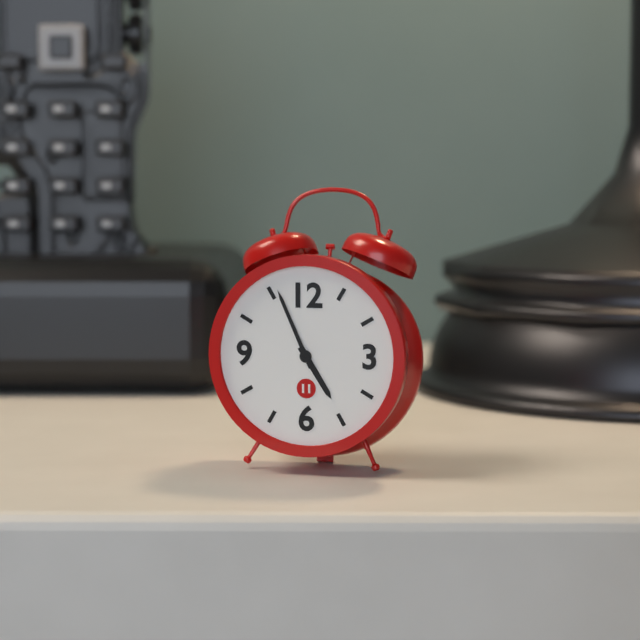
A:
4,56
